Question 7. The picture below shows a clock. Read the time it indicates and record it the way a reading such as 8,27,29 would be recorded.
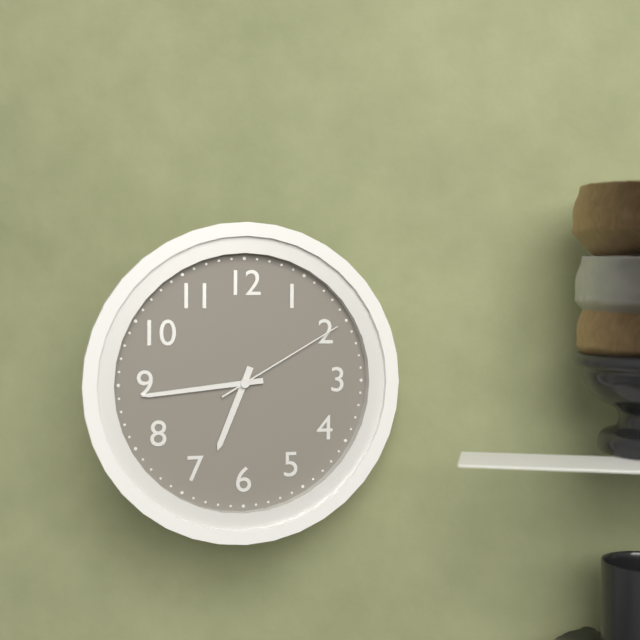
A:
6,44,10
